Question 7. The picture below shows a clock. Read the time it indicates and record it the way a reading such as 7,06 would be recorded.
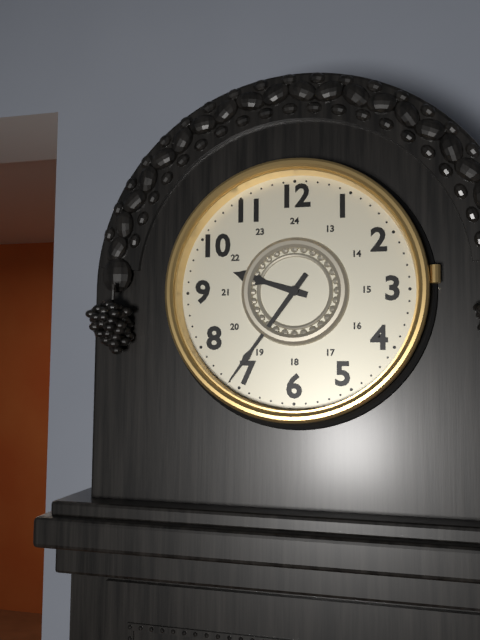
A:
9,36
